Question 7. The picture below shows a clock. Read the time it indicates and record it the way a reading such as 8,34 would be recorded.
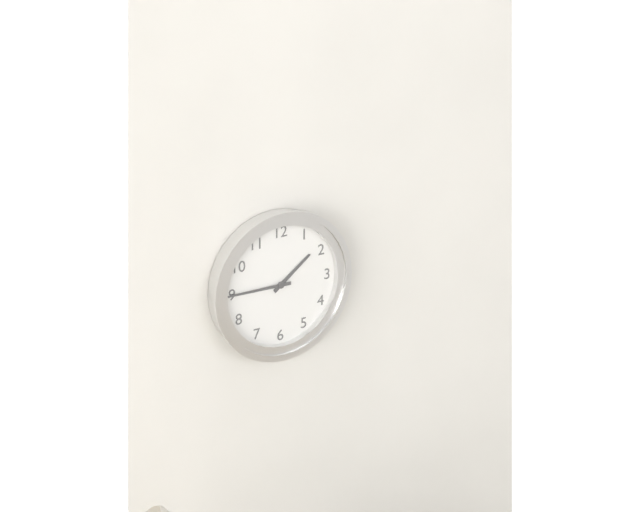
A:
1,45
